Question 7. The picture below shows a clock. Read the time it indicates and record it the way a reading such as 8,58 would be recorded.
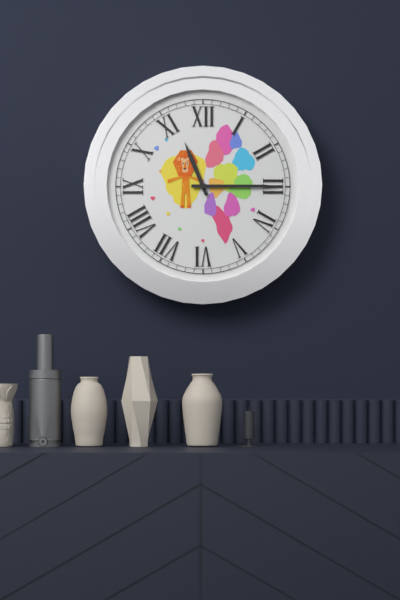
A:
11,15
